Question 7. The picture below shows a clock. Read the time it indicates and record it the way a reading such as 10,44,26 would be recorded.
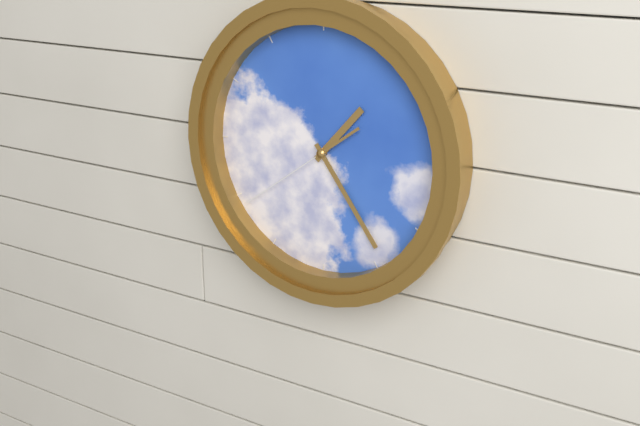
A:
1,24,39
